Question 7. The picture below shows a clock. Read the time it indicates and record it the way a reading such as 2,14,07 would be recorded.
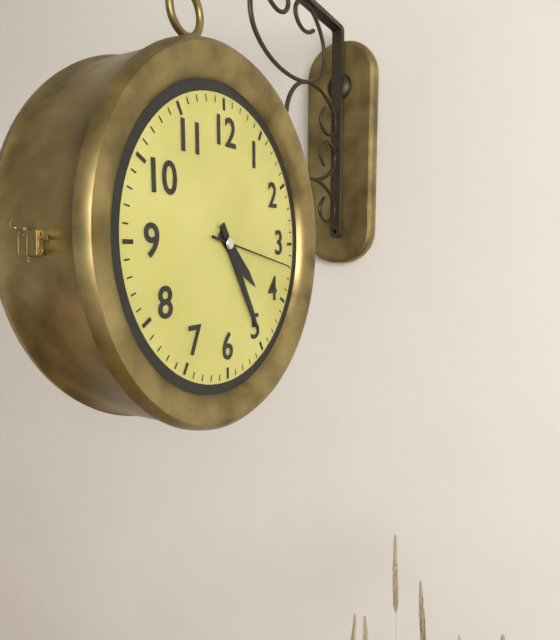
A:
4,25,17
